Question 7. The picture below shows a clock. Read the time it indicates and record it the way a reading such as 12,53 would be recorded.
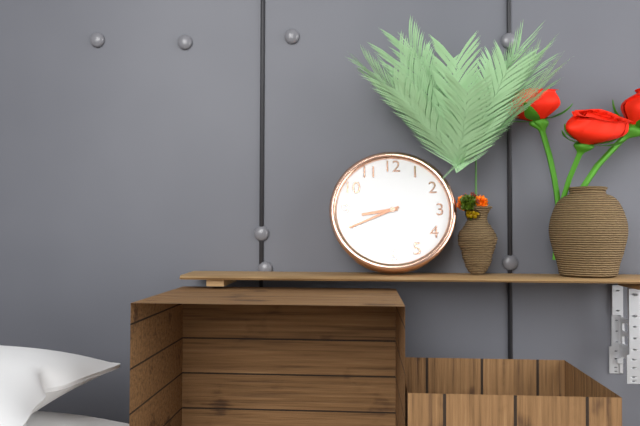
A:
8,41
